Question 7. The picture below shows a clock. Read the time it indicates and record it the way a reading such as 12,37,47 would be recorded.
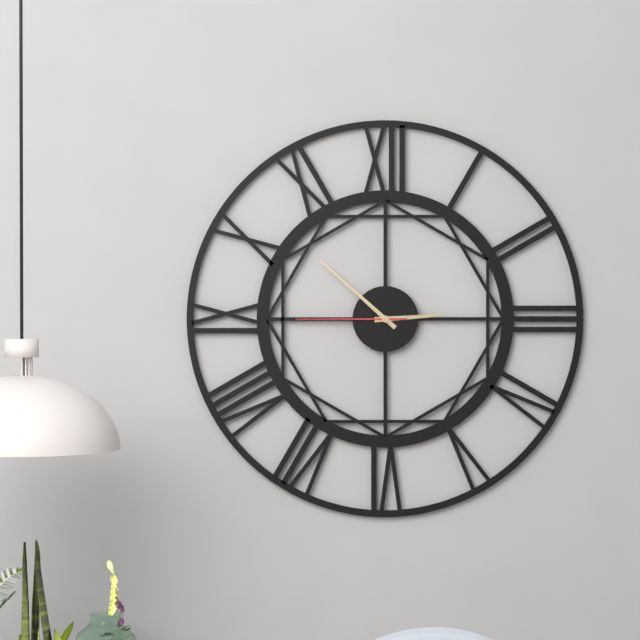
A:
2,52,45
